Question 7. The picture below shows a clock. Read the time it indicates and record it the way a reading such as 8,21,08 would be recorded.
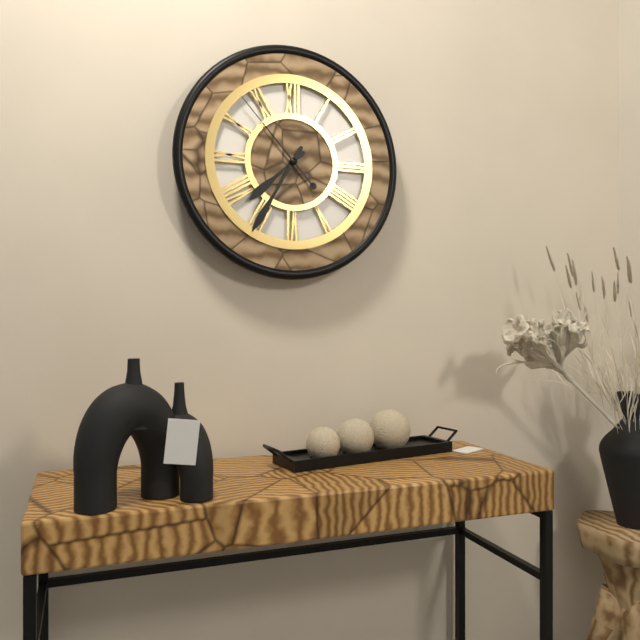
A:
7,35,53
